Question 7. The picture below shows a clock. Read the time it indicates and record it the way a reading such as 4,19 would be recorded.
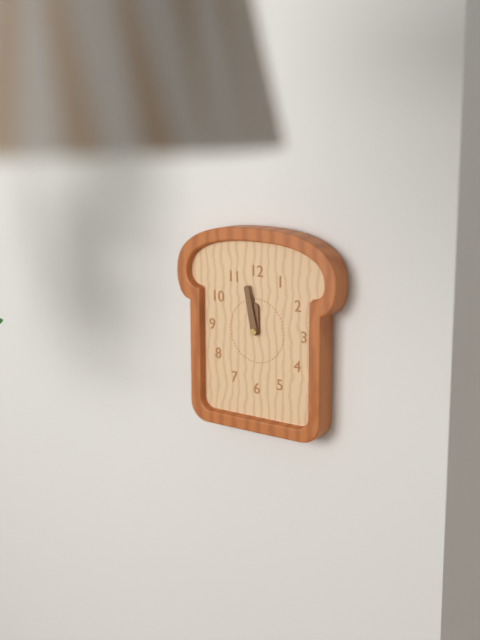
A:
11,58
